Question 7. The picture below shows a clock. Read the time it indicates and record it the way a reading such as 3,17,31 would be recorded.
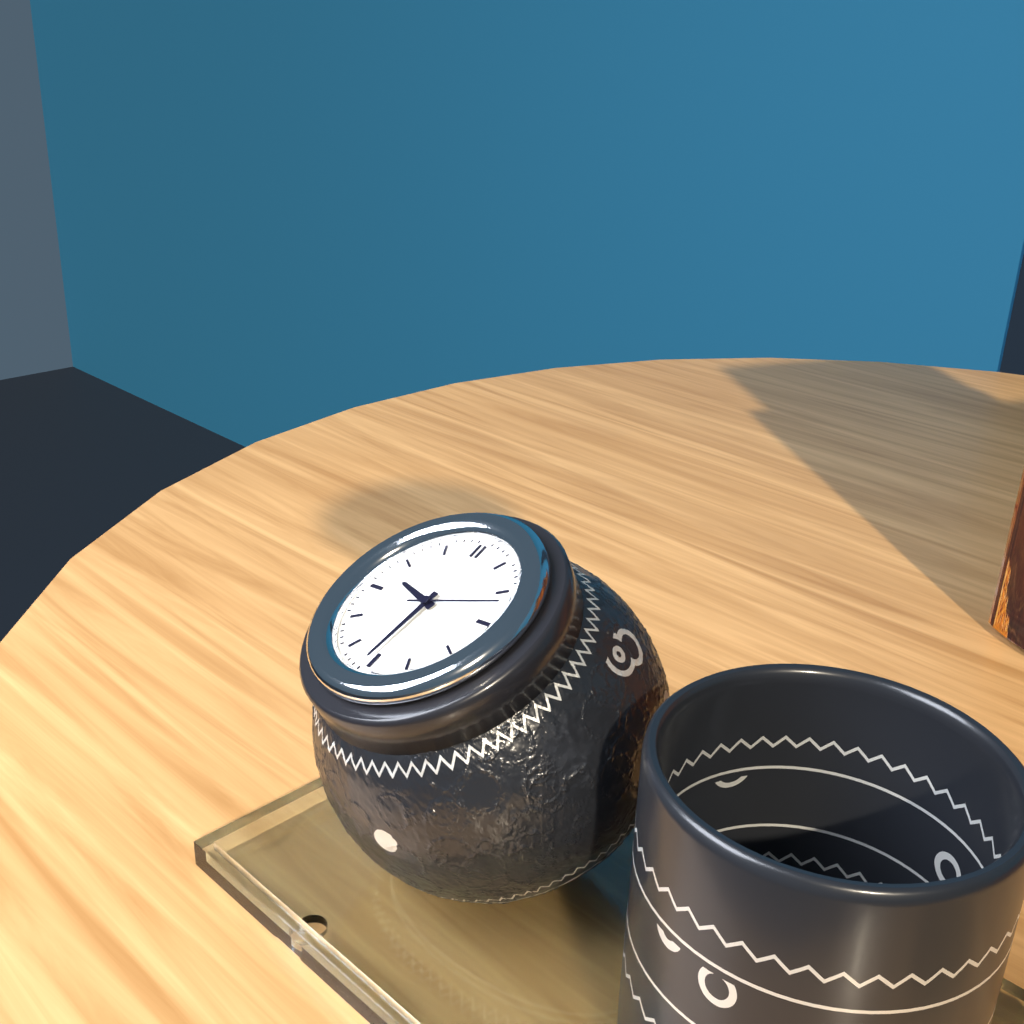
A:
9,31,12
